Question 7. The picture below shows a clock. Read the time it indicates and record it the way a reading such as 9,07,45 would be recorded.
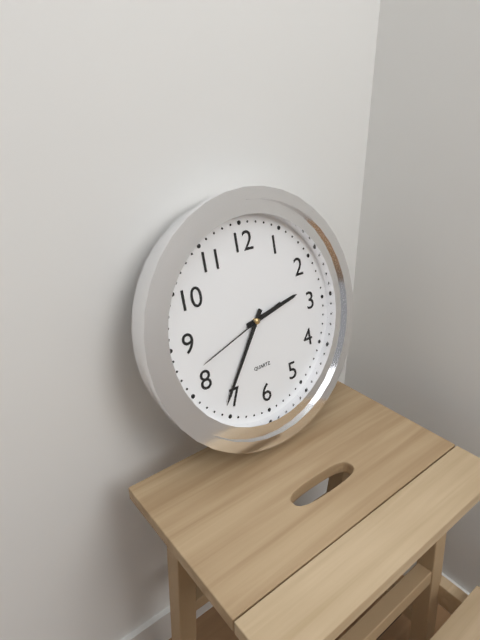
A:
2,36,42
